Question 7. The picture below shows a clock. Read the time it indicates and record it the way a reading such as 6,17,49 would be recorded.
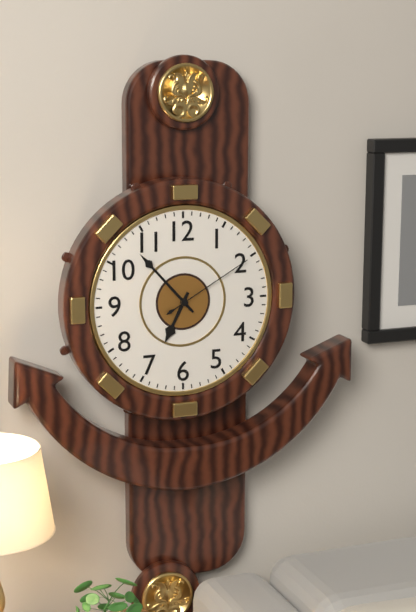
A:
6,53,10
